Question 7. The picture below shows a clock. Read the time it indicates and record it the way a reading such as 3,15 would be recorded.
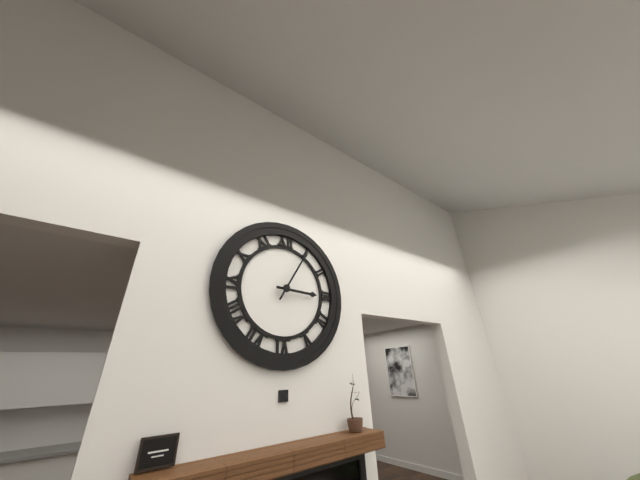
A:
3,05
